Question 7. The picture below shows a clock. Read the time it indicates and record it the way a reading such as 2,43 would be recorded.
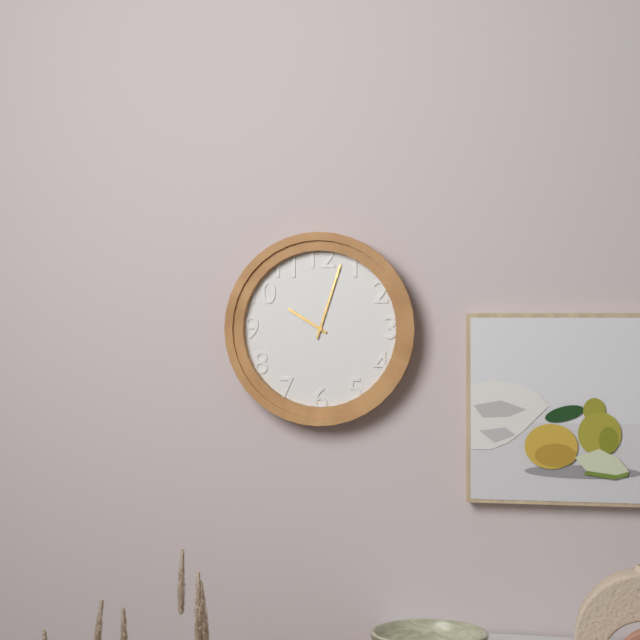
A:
10,03
